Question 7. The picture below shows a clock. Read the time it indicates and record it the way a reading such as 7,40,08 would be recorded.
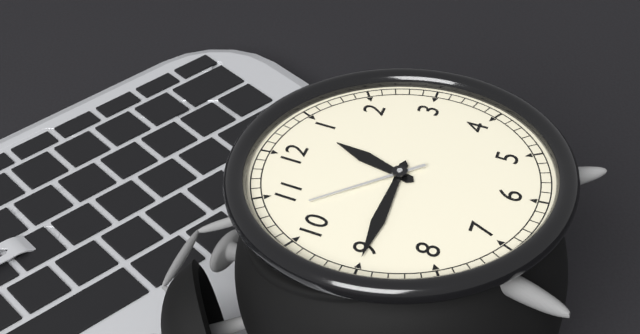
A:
12,45,53
